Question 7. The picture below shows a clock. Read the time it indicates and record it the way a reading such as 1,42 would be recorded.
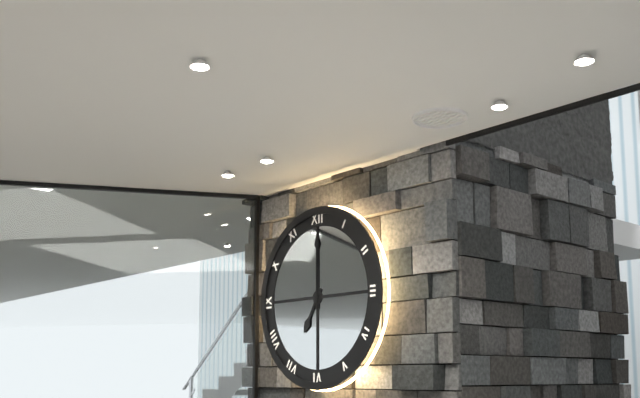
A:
7,00
